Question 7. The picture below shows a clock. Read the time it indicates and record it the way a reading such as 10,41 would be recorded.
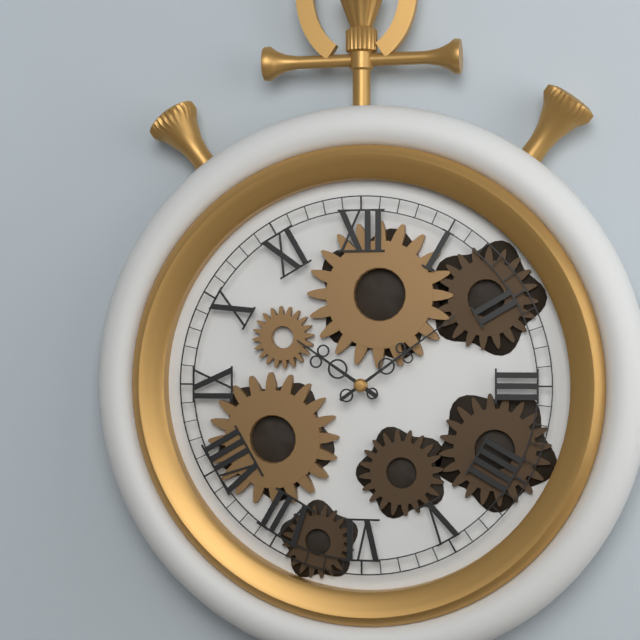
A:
10,09
